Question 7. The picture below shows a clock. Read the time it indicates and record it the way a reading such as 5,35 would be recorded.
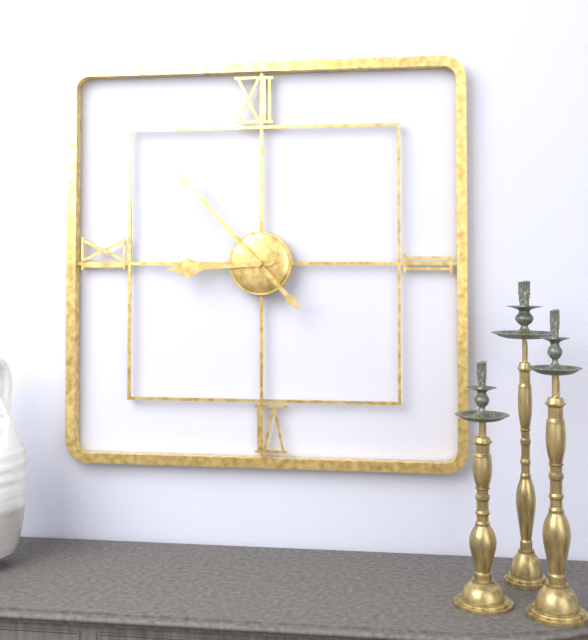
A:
8,53
